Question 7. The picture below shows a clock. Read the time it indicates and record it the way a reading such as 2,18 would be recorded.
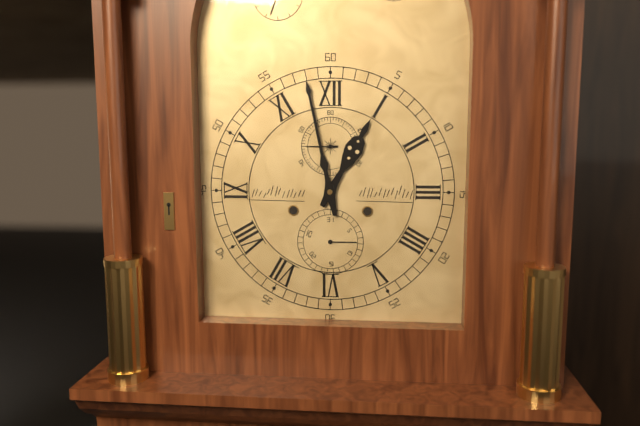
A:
12,58
